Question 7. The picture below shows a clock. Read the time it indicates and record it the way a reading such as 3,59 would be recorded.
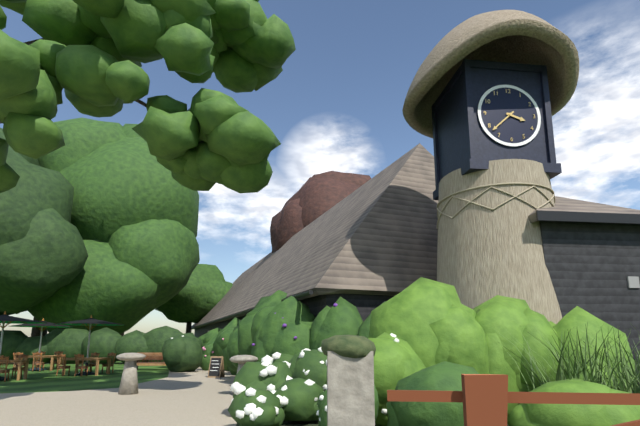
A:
3,38
